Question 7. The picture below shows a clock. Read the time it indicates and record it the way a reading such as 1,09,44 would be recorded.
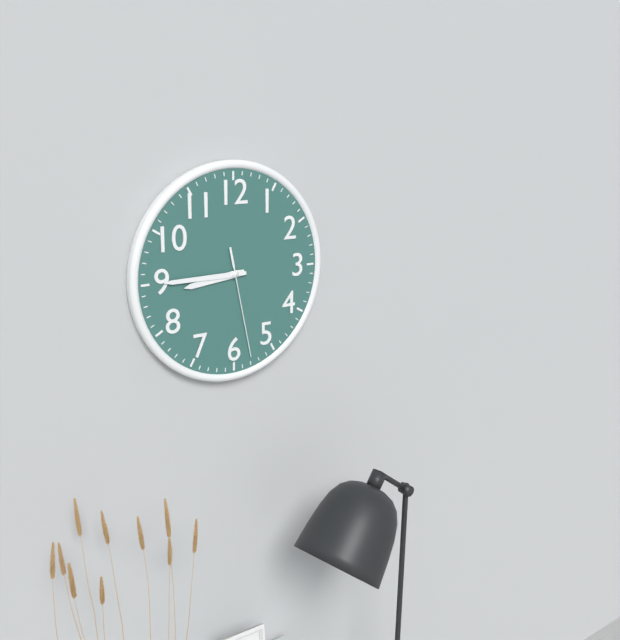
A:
8,45,28
